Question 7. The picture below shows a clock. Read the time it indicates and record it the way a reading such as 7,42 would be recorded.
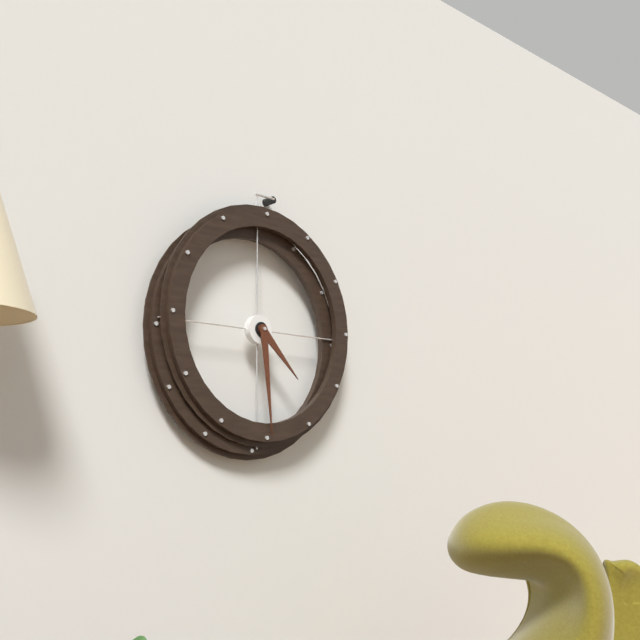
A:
4,29
